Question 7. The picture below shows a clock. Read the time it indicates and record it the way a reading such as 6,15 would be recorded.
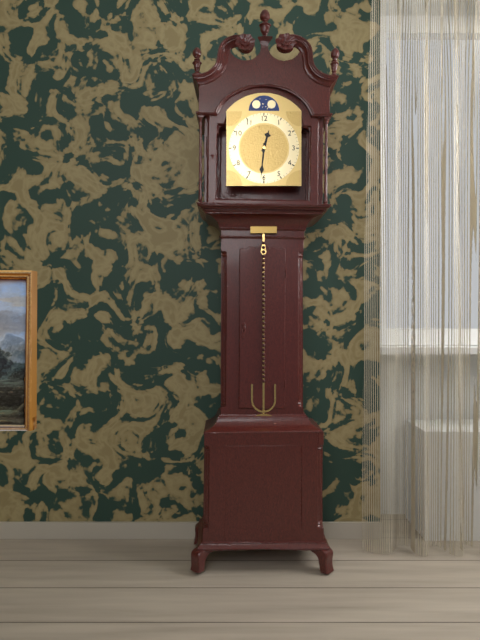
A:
12,31
